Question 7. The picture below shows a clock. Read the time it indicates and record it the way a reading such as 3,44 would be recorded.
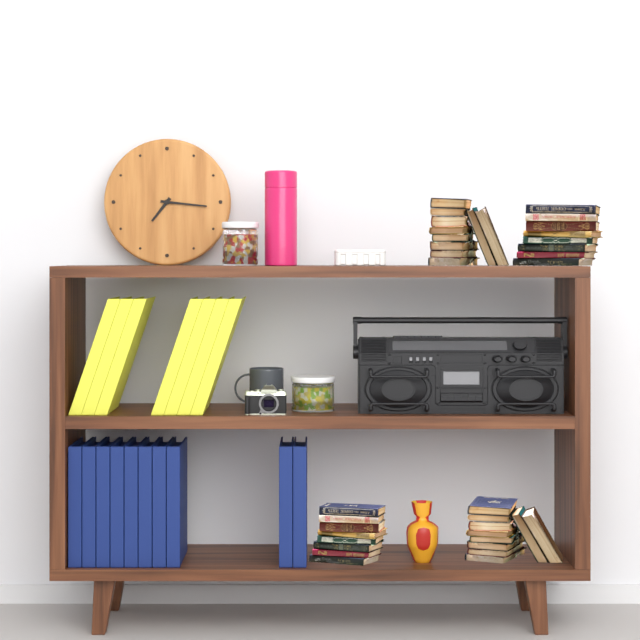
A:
7,16
